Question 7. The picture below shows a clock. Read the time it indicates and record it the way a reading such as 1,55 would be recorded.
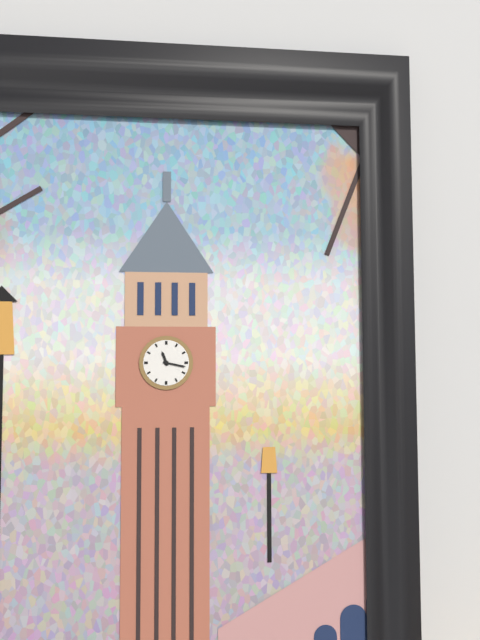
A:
11,17
